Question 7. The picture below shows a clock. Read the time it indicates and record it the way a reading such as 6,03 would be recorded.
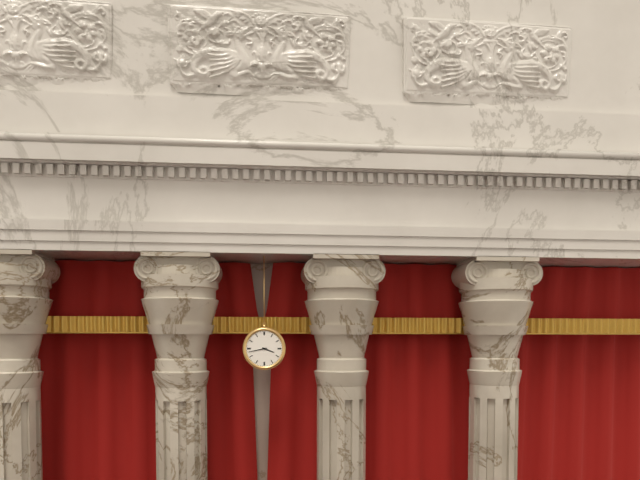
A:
3,43
